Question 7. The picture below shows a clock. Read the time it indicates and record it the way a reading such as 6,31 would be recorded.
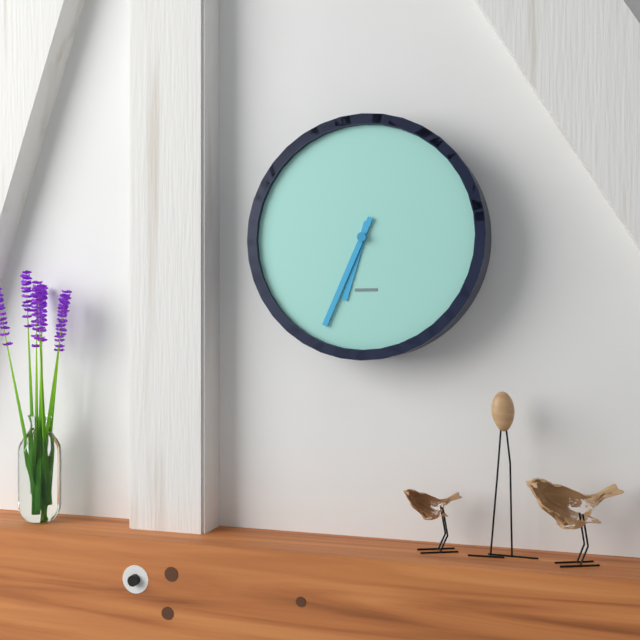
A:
6,34
